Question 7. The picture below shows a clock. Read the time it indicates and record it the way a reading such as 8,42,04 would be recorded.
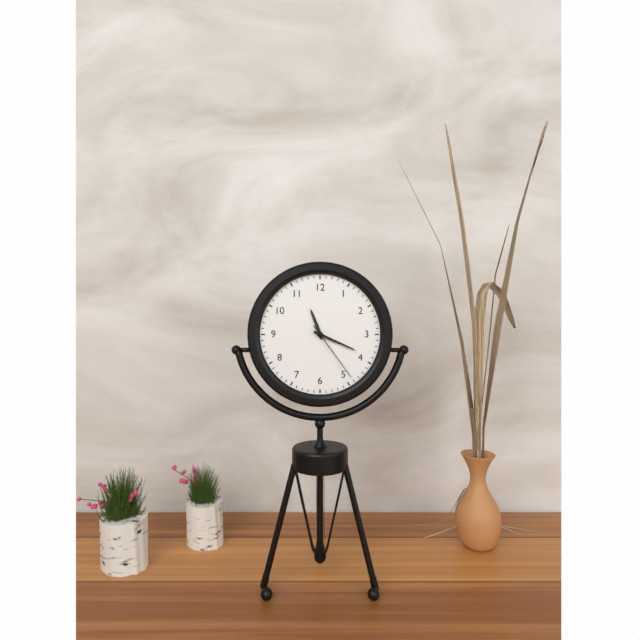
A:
11,19,24
